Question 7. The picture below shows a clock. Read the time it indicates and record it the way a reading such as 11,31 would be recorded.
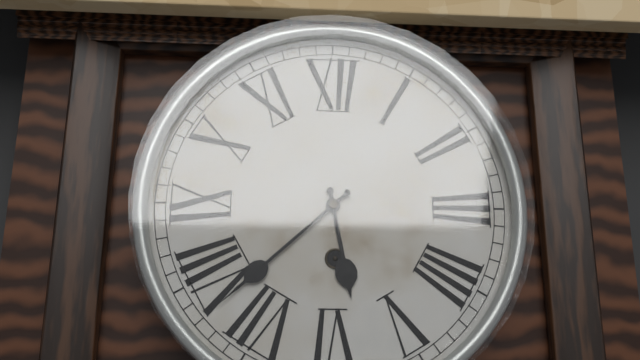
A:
5,38
